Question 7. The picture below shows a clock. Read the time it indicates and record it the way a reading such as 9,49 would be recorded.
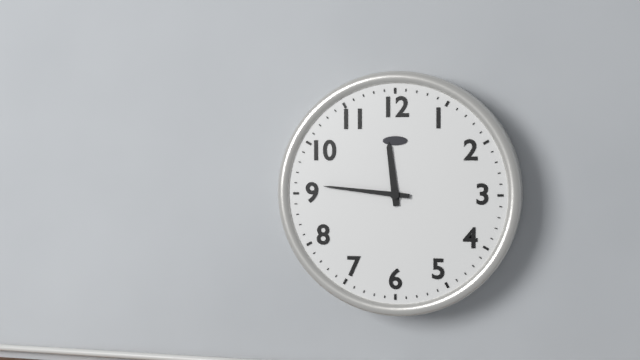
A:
11,46
